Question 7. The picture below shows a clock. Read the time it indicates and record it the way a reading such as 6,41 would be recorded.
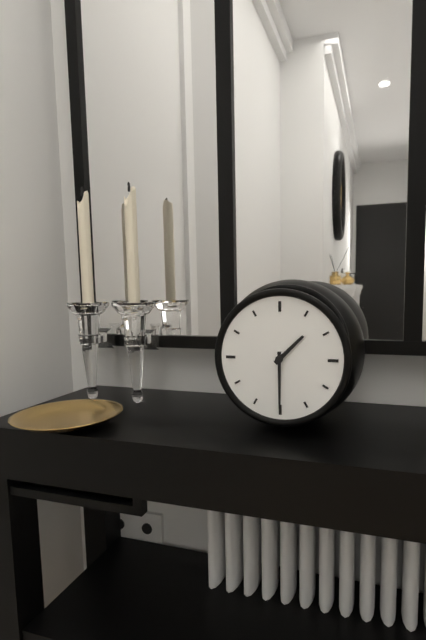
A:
1,30
